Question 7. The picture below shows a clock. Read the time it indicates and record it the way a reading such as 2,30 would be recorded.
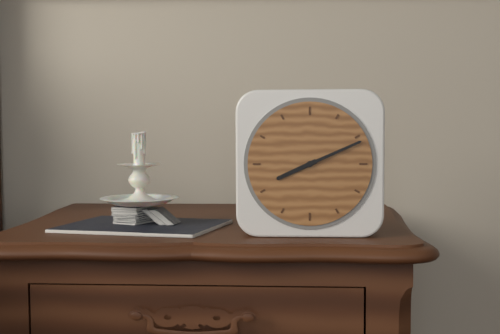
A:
8,11
